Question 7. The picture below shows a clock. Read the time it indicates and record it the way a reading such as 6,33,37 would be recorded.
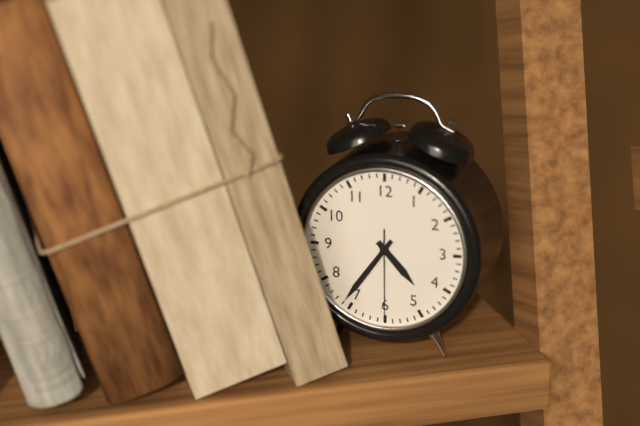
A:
4,36,30
